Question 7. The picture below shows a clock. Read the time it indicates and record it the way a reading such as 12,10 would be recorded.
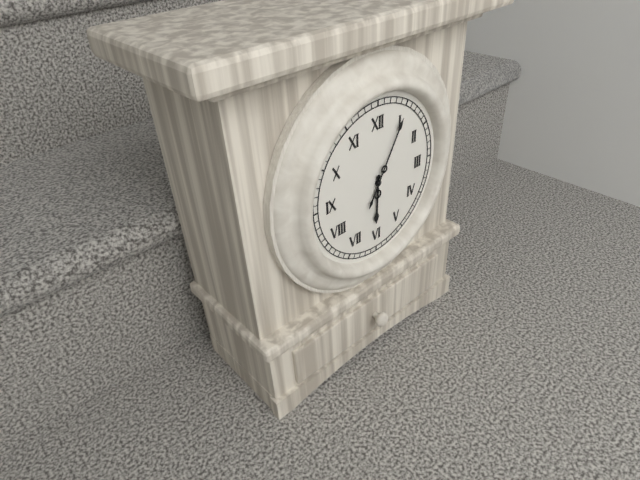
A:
6,05
